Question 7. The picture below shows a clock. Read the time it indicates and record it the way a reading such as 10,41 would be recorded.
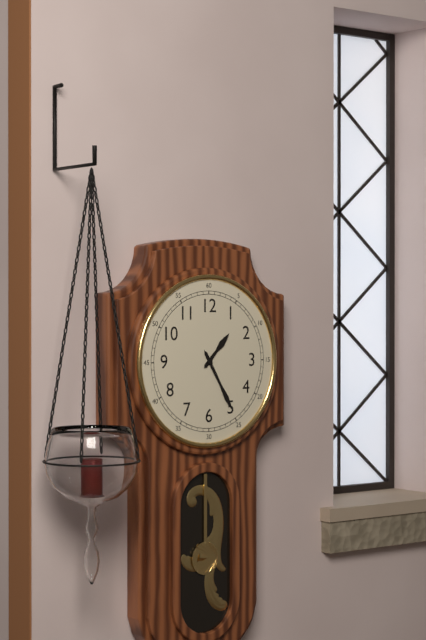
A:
1,25
